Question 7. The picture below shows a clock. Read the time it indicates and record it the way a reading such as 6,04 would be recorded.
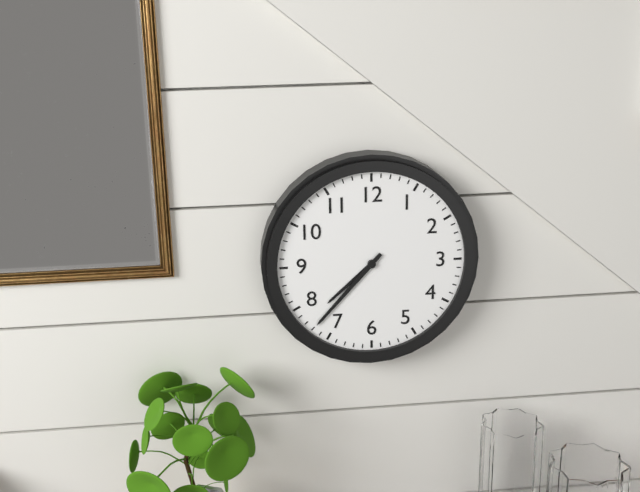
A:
7,37
